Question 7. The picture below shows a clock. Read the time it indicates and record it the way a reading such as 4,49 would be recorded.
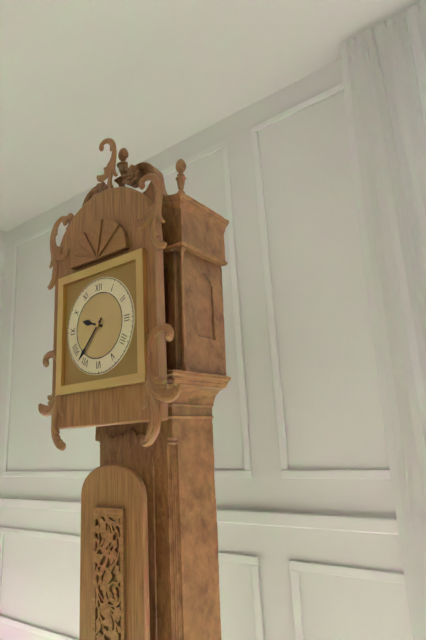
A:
9,37
